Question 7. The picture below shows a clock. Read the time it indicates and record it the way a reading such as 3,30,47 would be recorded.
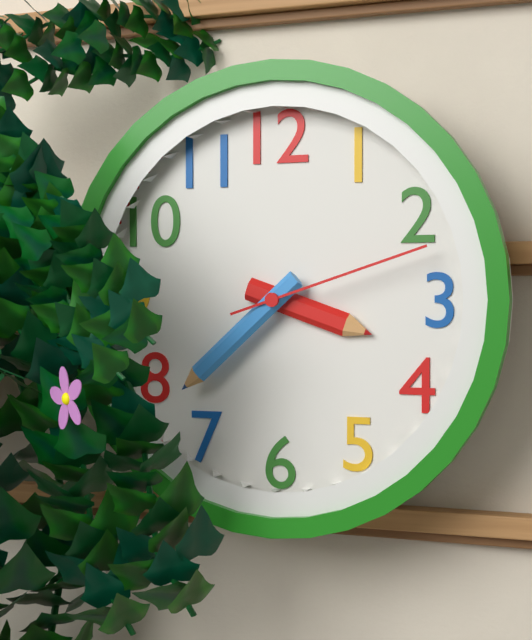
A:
3,38,12
